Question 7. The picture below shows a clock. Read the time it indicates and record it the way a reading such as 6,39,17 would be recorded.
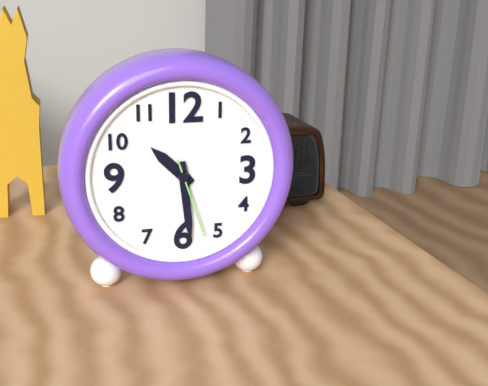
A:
10,29,27
